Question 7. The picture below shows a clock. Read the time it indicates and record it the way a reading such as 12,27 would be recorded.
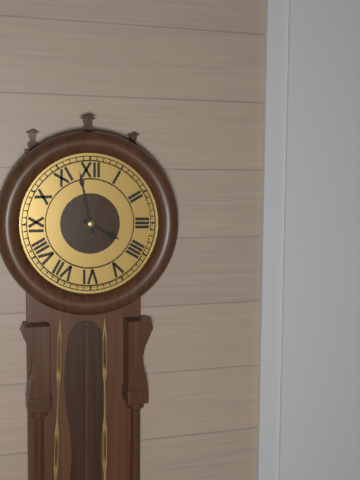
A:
3,58
